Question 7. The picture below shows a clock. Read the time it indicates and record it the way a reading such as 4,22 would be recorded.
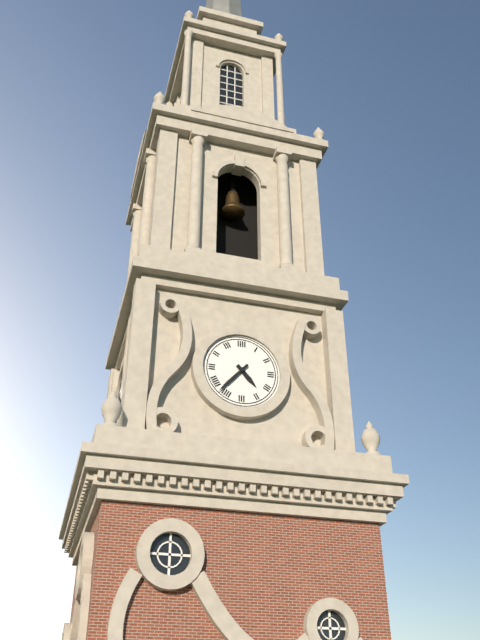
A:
4,37
